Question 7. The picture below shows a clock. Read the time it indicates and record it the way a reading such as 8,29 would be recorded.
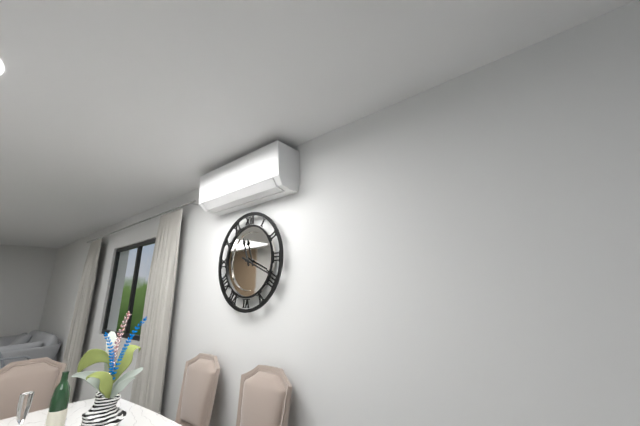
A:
11,19
